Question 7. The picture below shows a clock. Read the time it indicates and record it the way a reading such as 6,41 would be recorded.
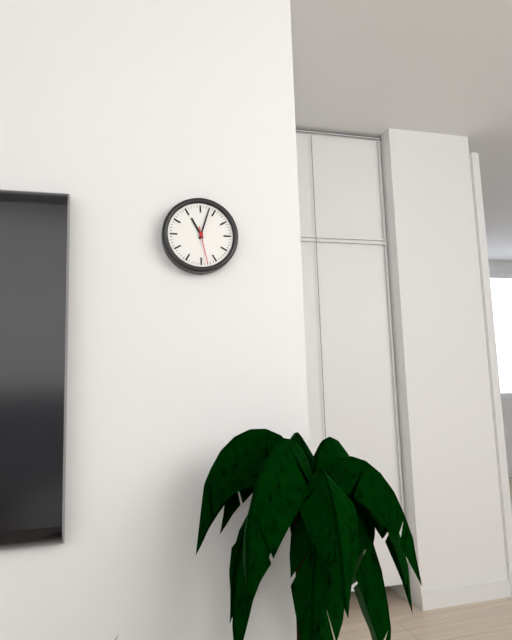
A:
11,03
